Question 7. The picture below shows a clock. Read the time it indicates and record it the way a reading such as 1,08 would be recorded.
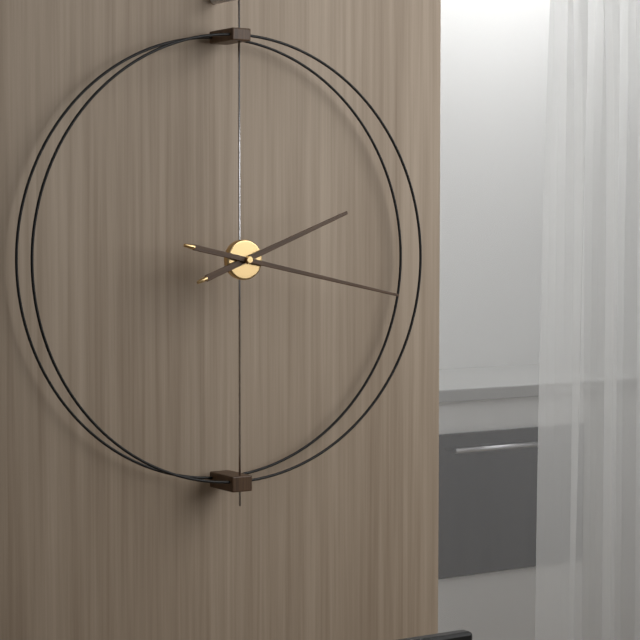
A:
2,17
